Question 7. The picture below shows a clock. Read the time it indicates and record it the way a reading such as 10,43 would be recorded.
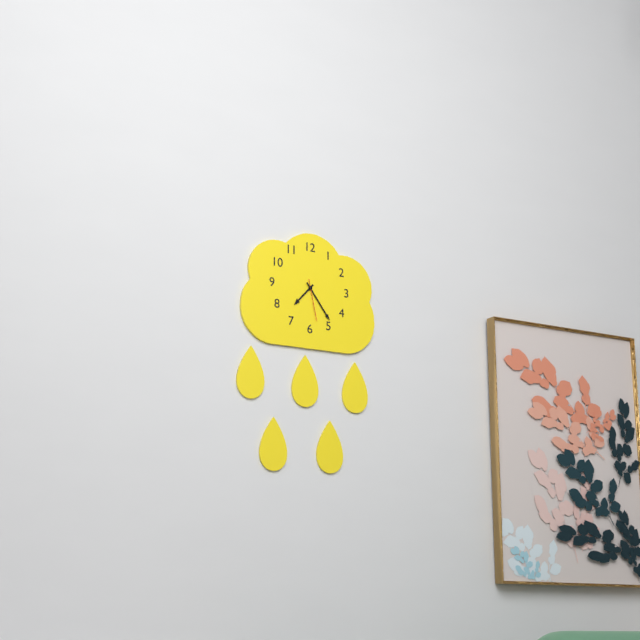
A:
7,24
